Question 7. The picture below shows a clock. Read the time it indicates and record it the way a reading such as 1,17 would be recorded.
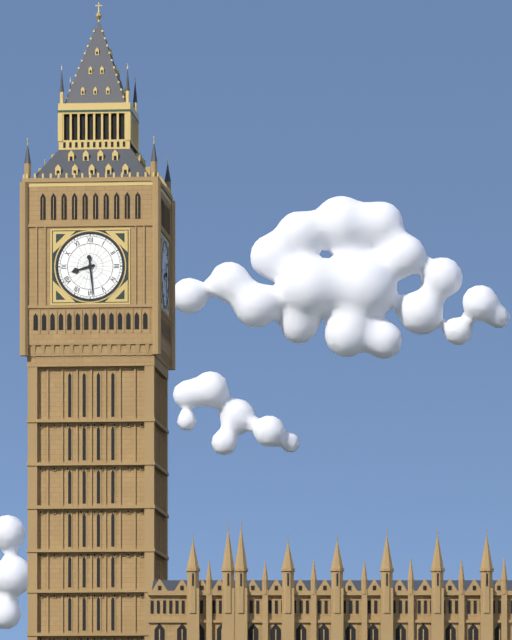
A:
8,29
